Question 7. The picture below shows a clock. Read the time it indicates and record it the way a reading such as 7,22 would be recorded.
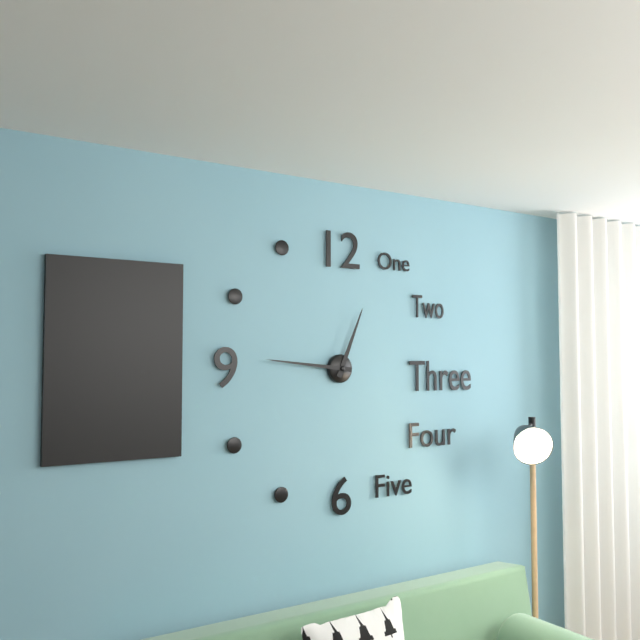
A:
12,46
